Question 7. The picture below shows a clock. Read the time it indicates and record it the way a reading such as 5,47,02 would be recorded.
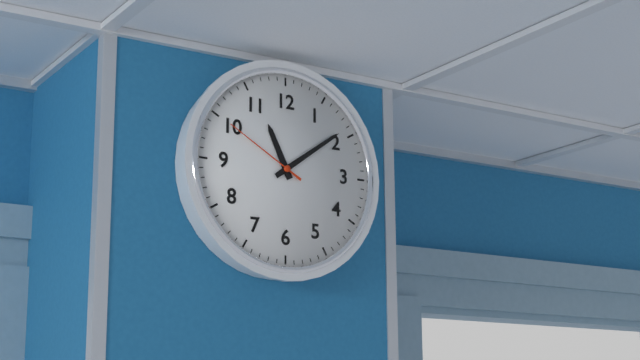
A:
11,09,50
